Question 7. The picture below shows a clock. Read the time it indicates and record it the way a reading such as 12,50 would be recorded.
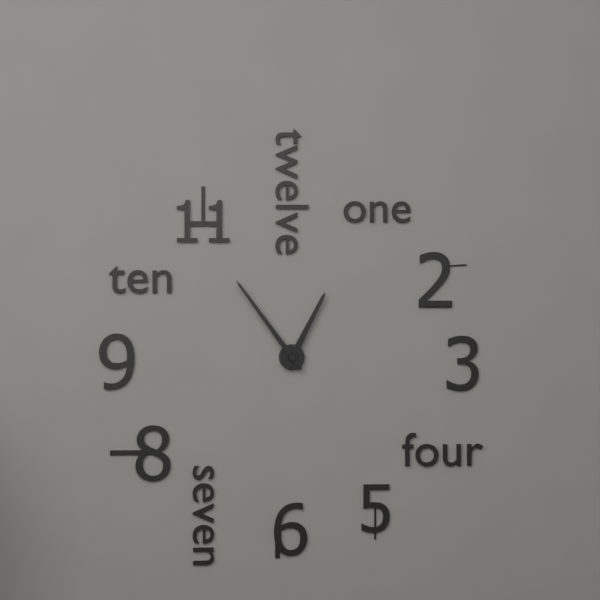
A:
12,54
